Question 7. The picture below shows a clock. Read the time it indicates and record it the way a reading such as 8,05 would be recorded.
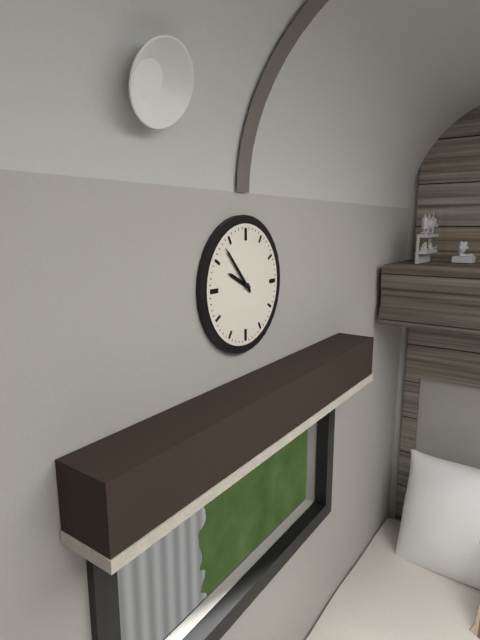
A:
9,53
